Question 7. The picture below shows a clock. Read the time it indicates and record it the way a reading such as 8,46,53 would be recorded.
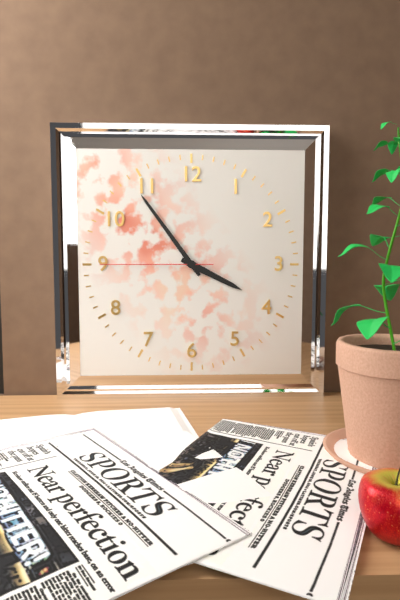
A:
3,54,45
